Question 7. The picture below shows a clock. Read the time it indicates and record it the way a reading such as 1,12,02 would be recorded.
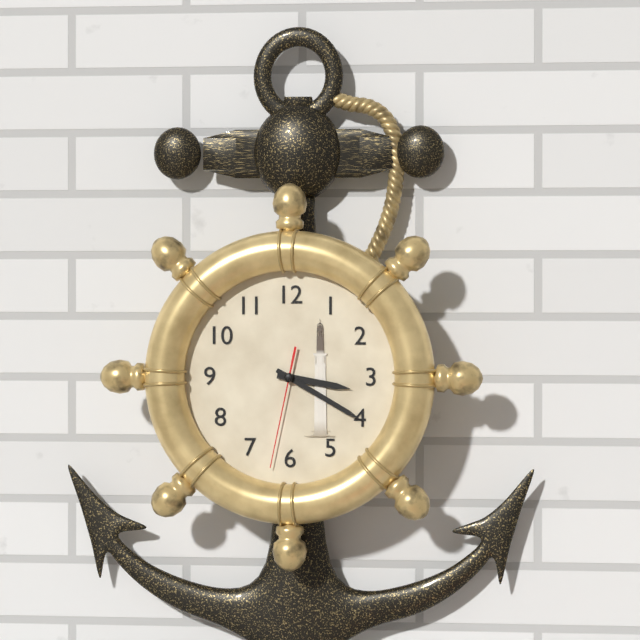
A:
3,20,32
